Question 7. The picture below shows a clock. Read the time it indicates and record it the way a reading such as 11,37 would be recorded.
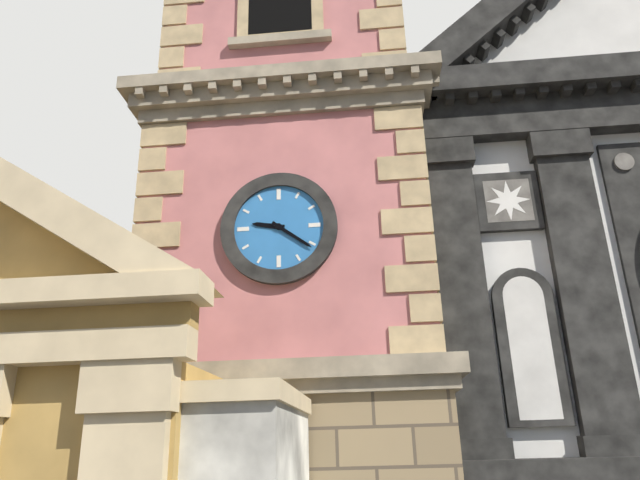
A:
9,21
